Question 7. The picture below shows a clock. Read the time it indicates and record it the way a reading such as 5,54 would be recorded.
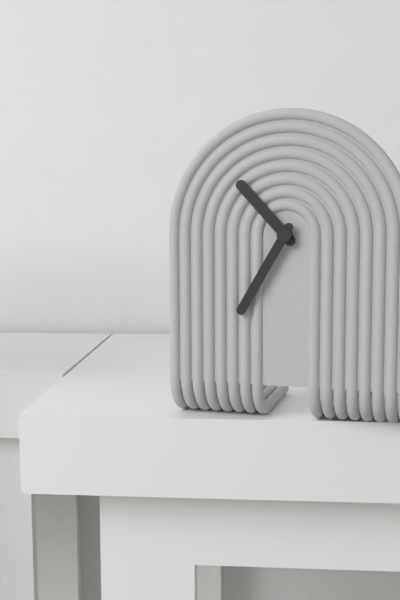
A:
10,35
